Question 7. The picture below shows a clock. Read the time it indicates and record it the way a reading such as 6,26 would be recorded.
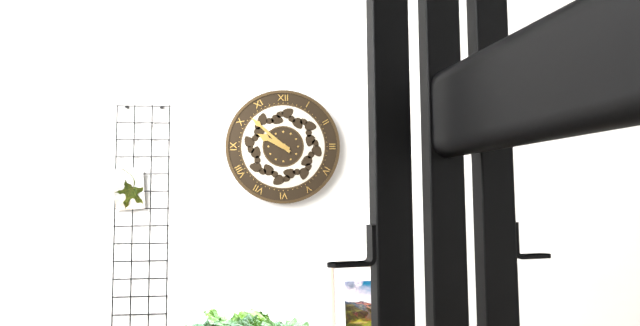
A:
9,52
